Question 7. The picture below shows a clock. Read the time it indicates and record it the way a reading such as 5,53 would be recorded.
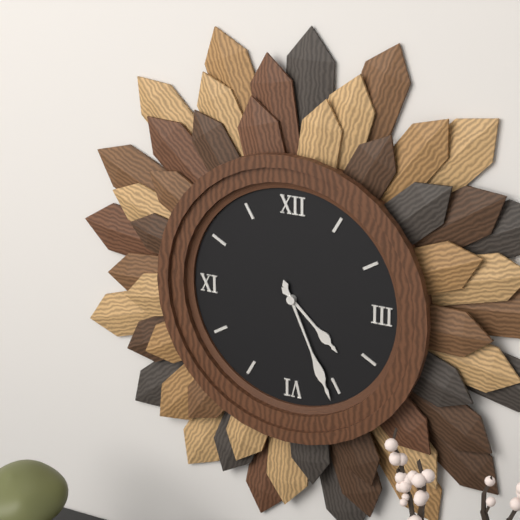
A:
4,26
